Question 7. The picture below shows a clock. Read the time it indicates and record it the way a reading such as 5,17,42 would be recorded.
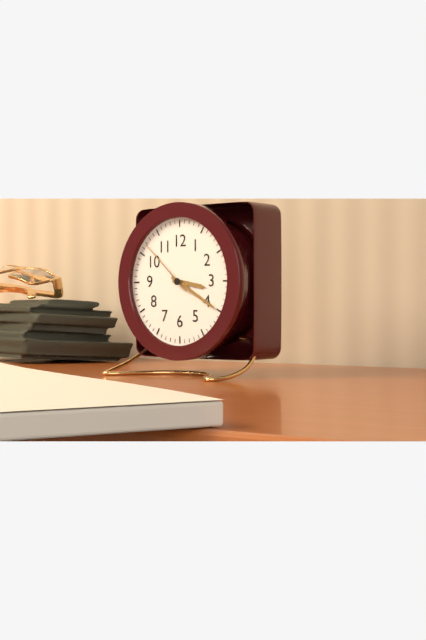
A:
3,20,52
